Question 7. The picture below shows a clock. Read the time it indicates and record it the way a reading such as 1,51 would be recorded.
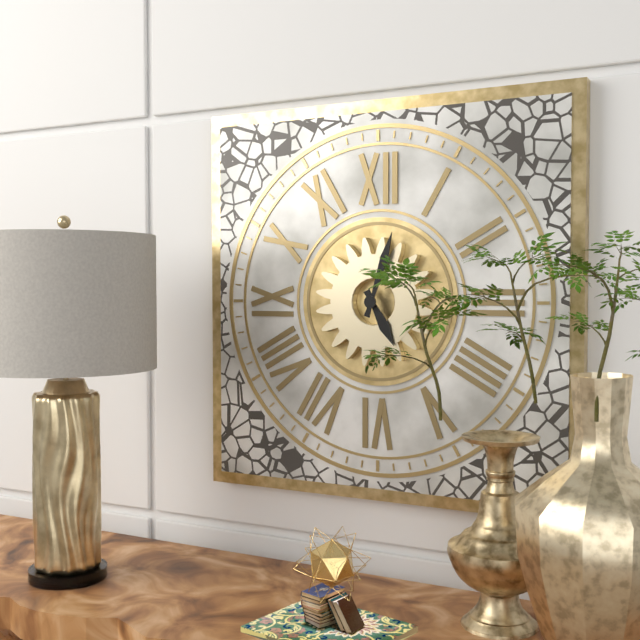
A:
5,03
